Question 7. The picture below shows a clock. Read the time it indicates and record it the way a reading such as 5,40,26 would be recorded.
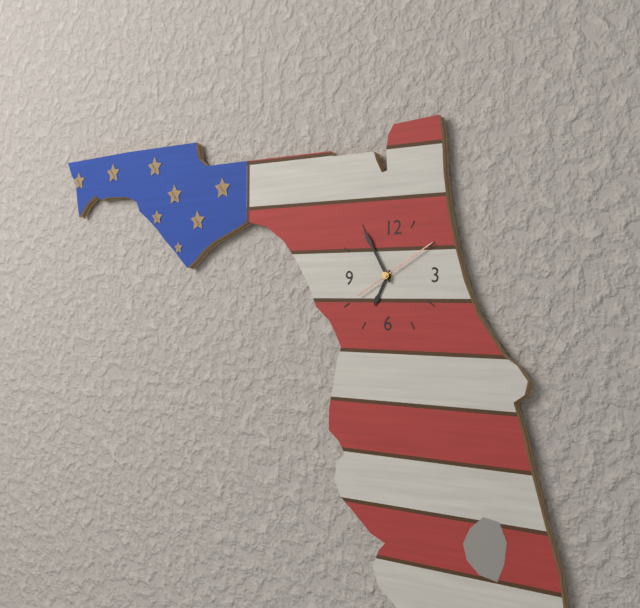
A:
6,55,10
